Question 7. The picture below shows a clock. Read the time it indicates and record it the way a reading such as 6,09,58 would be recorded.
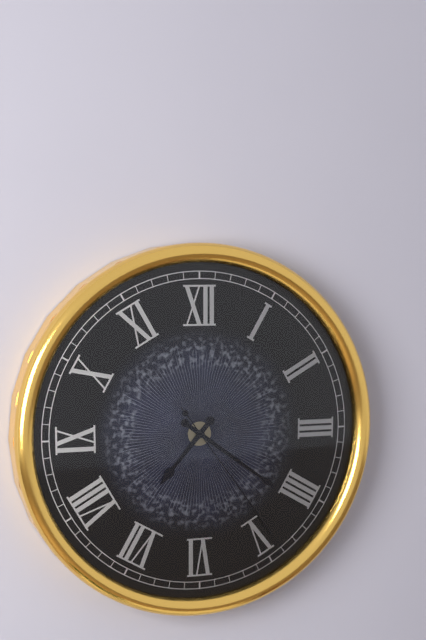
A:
7,21,24
